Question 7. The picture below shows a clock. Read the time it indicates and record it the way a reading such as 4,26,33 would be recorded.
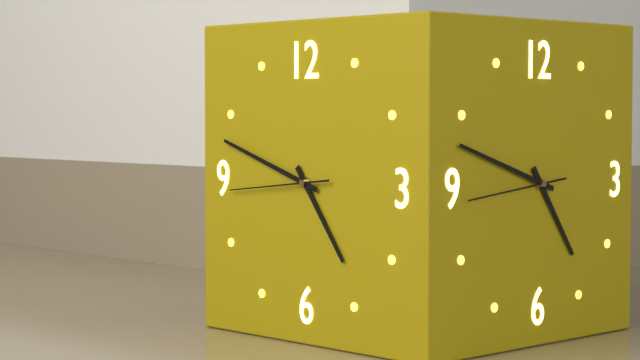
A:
4,48,44
